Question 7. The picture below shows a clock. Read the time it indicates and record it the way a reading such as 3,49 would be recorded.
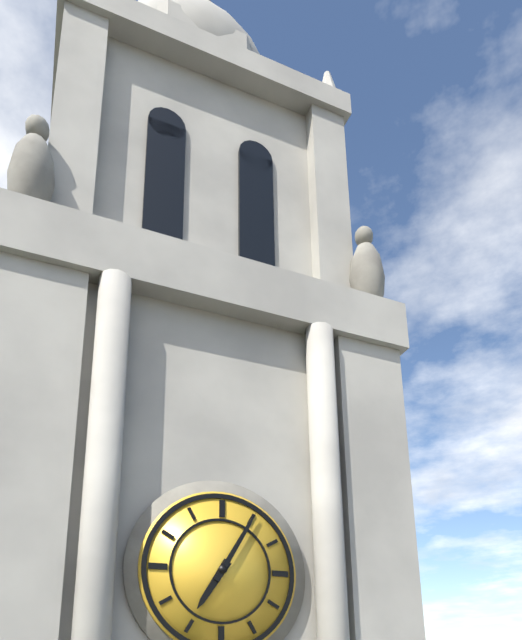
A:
7,05
